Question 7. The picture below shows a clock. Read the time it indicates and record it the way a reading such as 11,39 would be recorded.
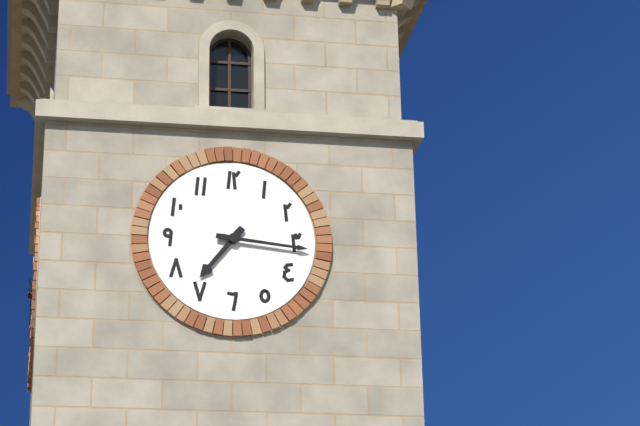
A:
7,16
